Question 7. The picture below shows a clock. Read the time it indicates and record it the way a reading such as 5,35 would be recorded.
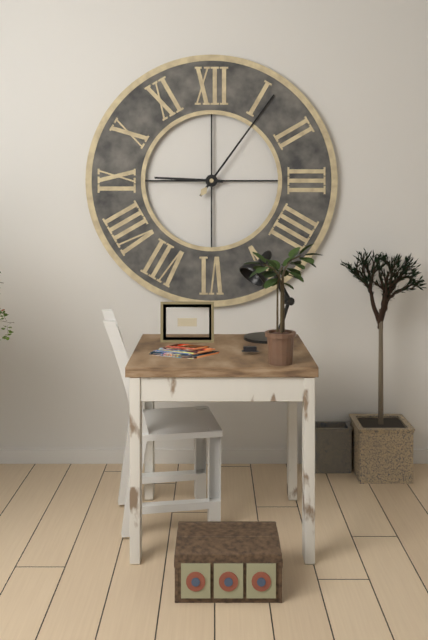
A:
9,06
